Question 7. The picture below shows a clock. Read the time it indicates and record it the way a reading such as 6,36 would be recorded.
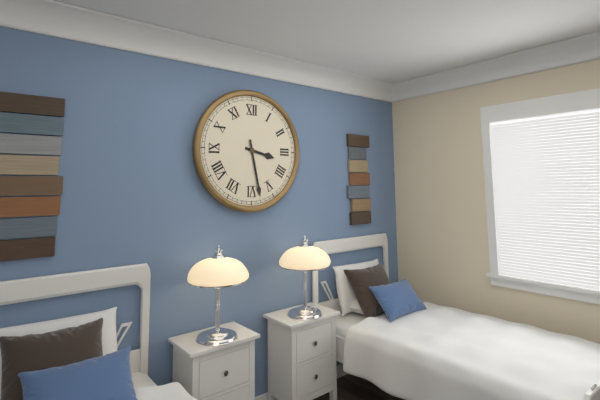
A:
3,28
